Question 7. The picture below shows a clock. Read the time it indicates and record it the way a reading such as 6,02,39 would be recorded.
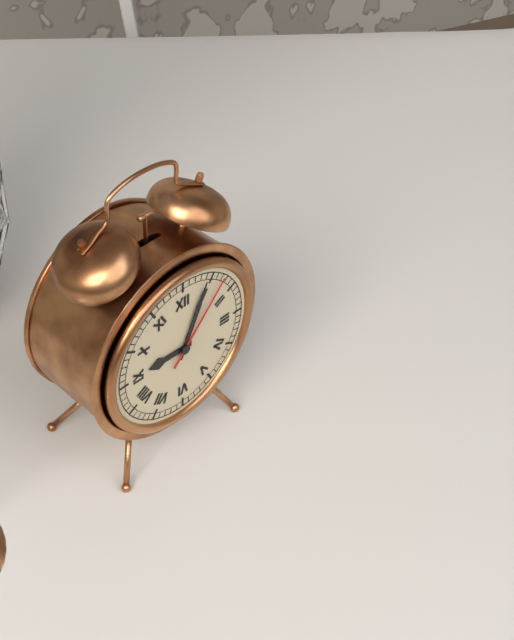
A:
9,04,07
